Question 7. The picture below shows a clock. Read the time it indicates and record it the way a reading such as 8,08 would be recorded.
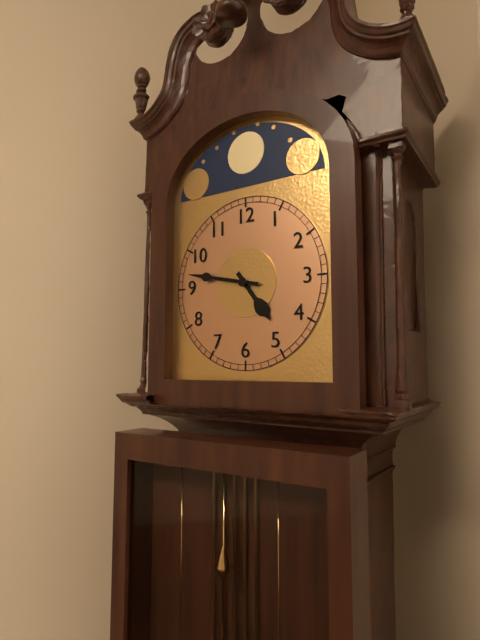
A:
4,47
